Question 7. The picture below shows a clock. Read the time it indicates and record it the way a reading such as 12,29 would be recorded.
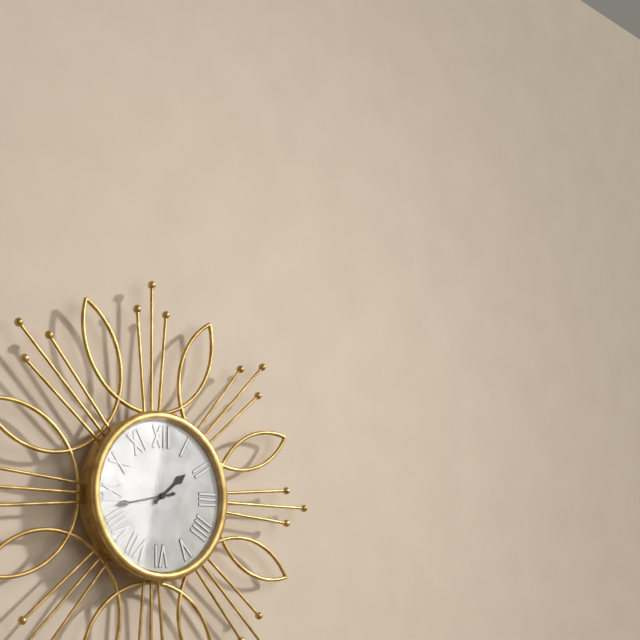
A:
1,43
